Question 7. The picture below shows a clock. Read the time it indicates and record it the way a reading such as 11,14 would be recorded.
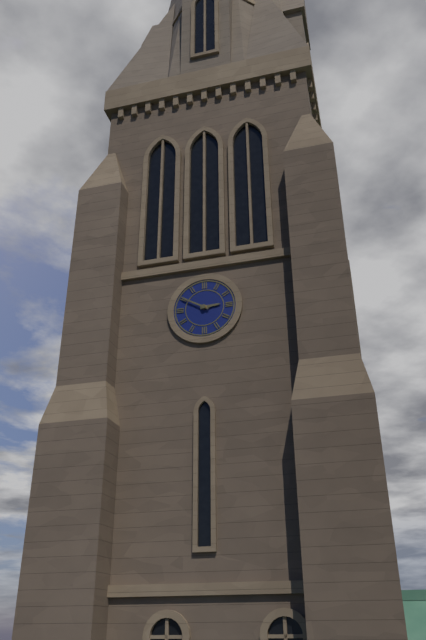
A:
2,50
